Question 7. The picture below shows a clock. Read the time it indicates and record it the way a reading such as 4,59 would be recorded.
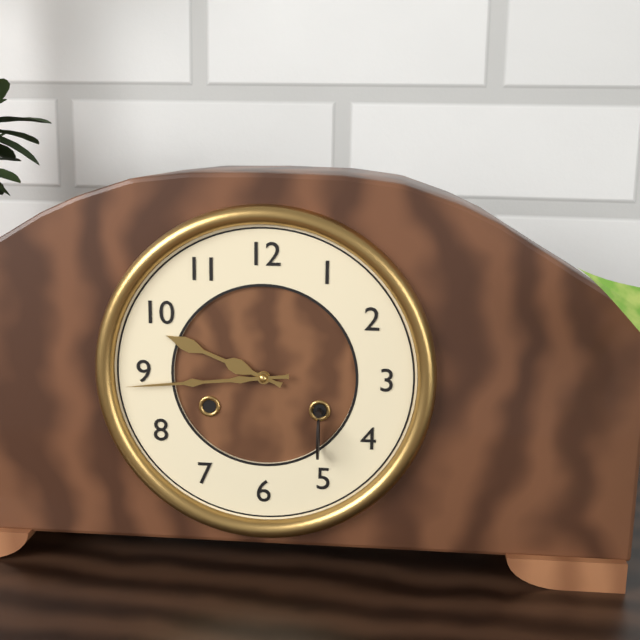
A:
9,44
